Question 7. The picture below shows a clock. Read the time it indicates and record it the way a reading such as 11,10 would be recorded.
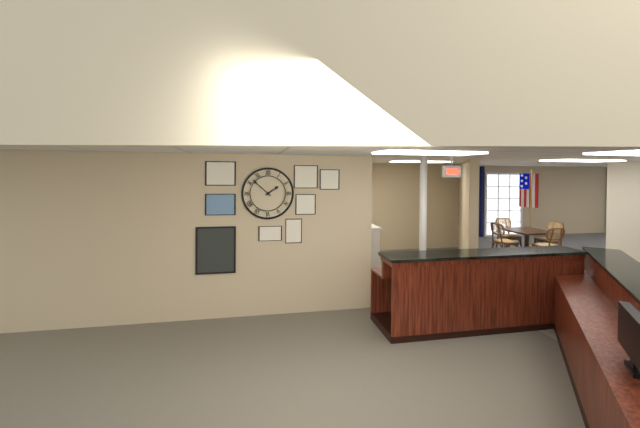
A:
1,52
